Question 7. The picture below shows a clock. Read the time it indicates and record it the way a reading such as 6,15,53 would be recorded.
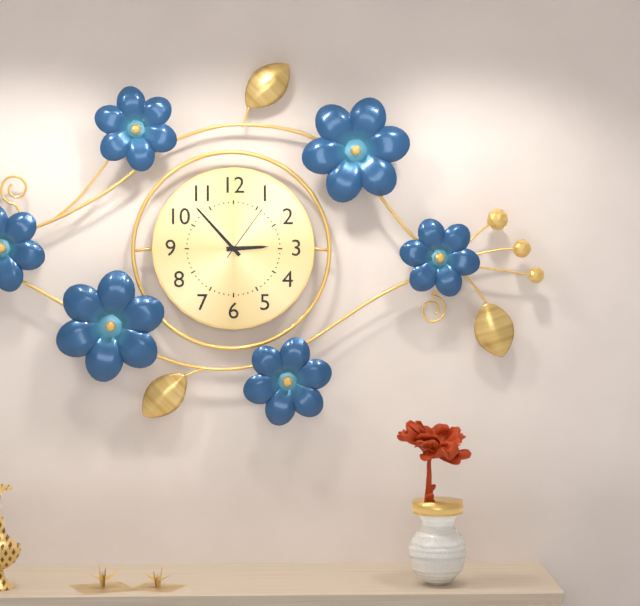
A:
2,53,06
